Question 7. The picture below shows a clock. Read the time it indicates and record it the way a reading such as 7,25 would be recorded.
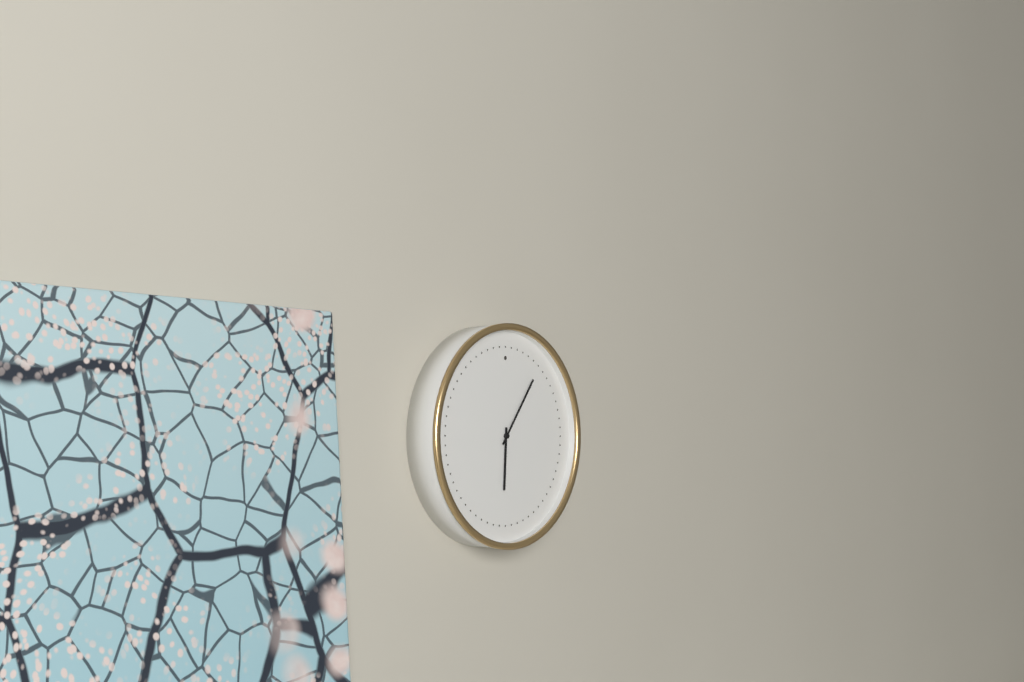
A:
6,06
